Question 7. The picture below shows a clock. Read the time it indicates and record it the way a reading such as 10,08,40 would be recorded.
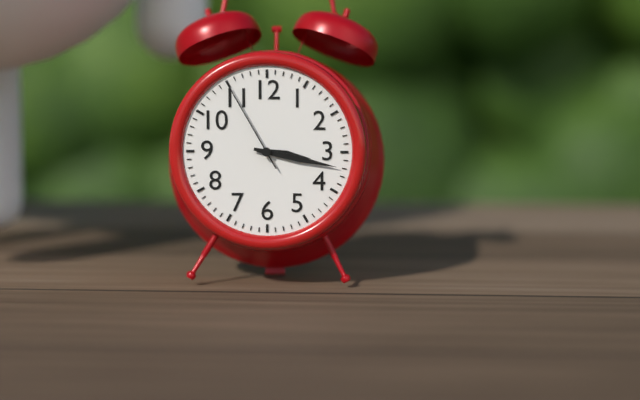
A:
3,17,55
